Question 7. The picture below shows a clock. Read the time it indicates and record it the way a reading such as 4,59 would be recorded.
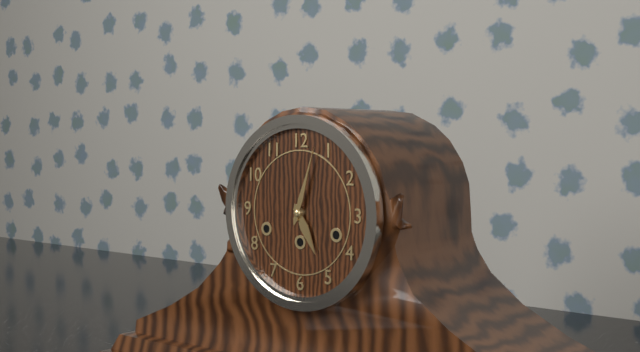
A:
5,03
